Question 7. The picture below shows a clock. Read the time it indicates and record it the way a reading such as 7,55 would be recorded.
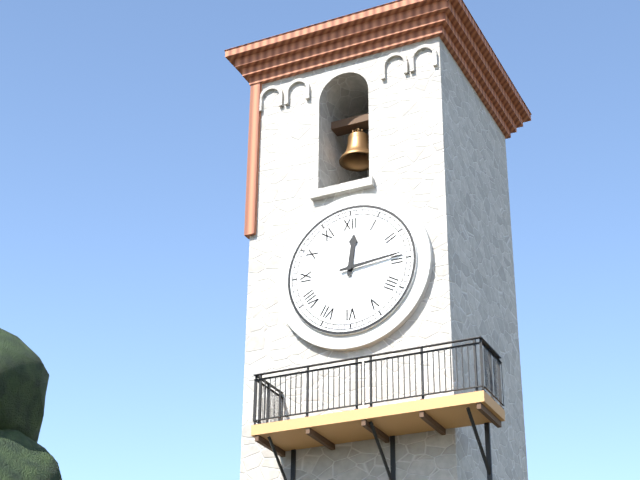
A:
12,14
